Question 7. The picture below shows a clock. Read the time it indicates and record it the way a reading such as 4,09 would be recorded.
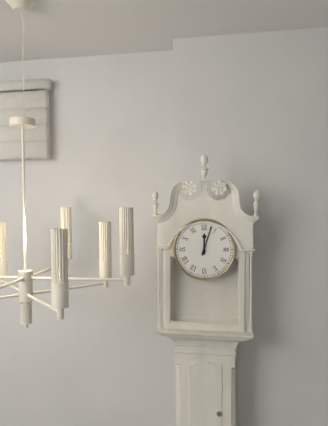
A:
12,03
